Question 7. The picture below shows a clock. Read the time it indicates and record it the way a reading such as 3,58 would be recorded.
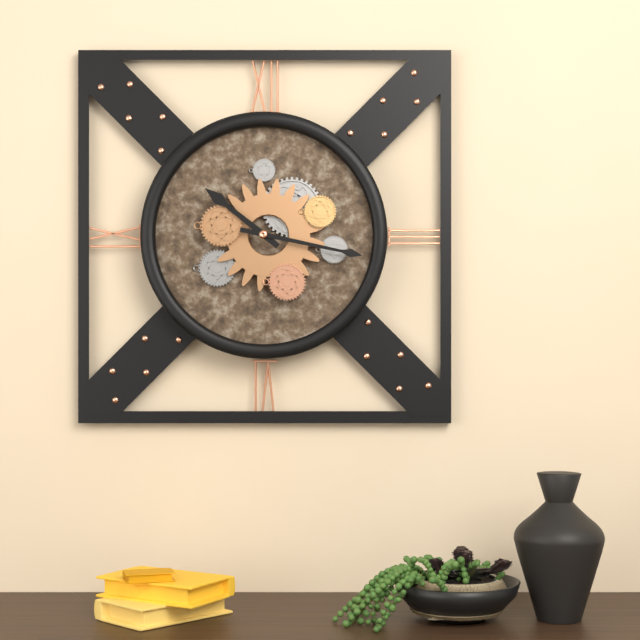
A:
10,17
